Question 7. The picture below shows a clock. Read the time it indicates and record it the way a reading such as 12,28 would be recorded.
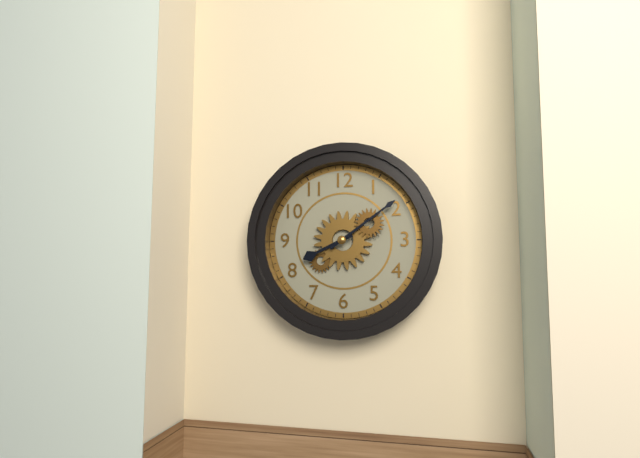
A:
8,09
